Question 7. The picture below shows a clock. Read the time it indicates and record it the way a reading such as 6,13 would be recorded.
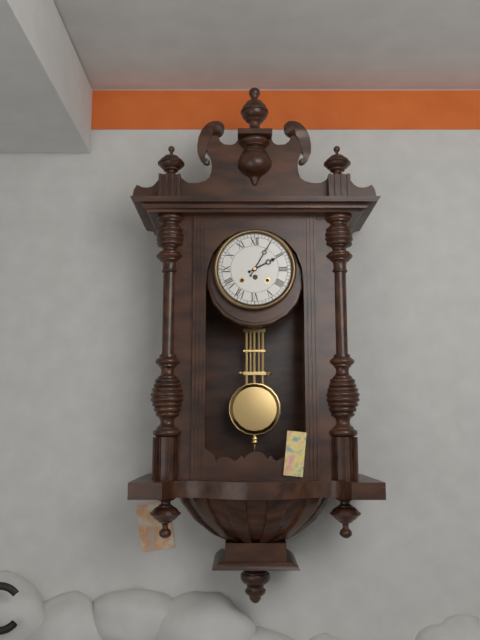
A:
2,05
